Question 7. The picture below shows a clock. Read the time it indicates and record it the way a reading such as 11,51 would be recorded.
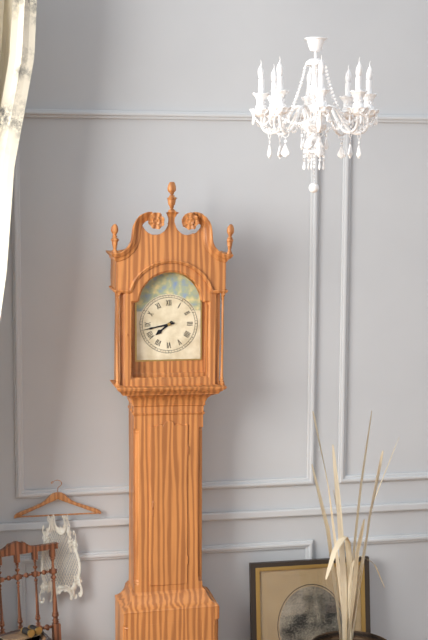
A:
7,43
